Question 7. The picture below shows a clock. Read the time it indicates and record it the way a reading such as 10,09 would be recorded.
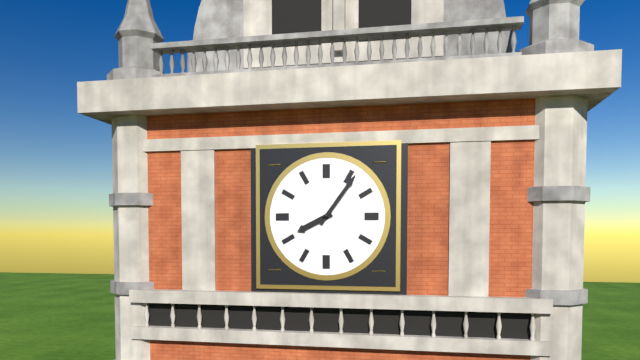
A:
8,06
